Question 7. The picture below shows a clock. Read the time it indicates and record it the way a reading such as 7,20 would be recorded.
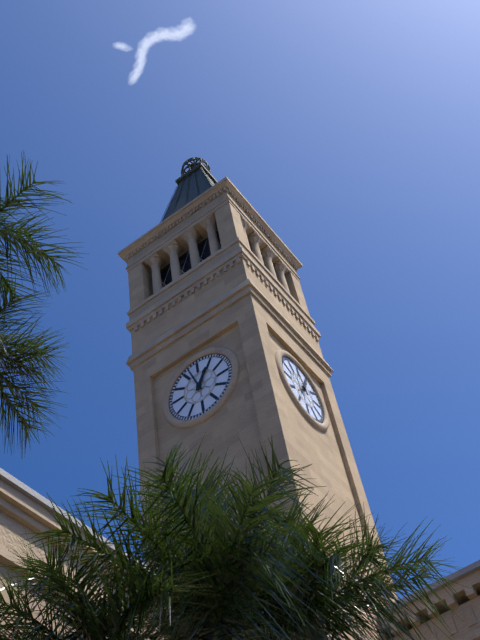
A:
12,57
